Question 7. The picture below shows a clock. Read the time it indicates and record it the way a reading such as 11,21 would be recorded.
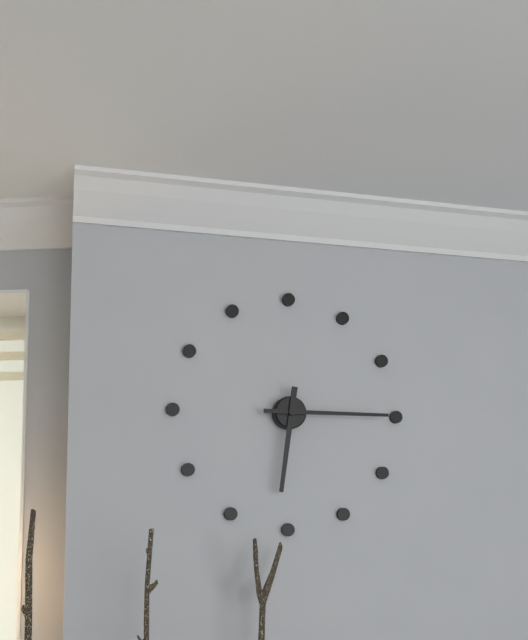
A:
6,15
